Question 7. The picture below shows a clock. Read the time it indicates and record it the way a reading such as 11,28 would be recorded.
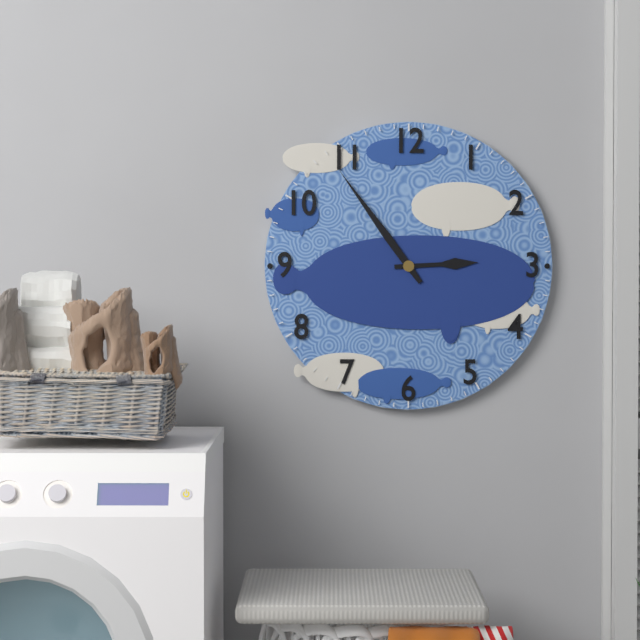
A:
2,54
